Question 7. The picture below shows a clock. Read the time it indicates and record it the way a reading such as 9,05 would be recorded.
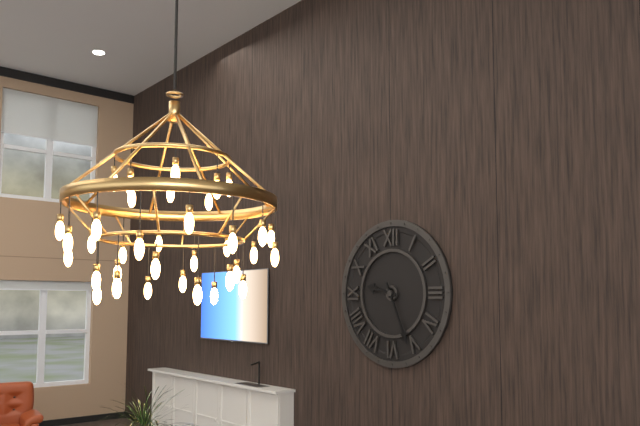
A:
9,26
